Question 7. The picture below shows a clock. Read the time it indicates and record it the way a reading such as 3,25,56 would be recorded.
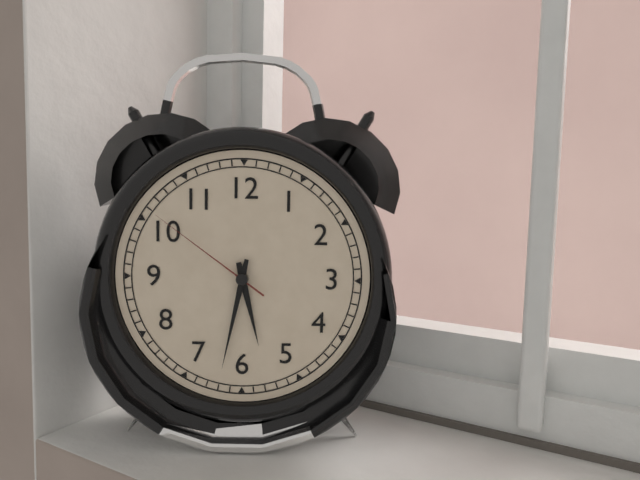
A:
5,32,51
